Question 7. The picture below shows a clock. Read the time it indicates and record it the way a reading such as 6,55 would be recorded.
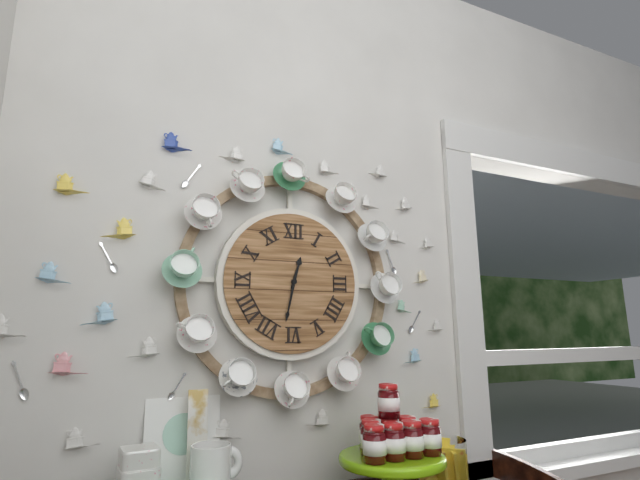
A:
12,32
